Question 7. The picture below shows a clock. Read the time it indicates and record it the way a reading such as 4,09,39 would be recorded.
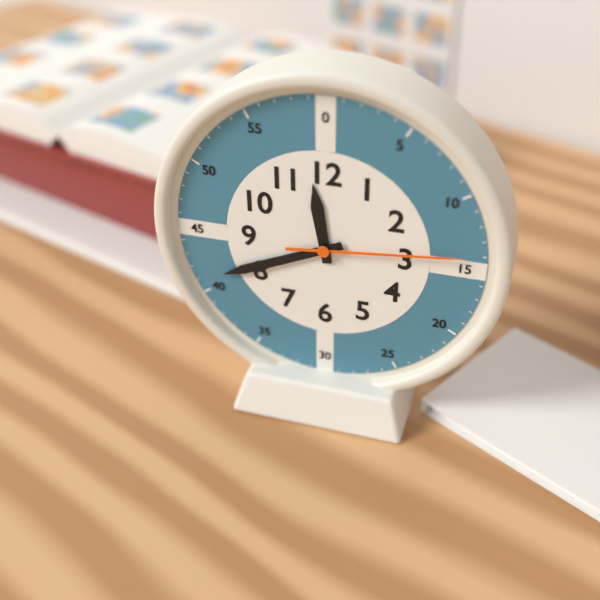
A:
11,41,14
